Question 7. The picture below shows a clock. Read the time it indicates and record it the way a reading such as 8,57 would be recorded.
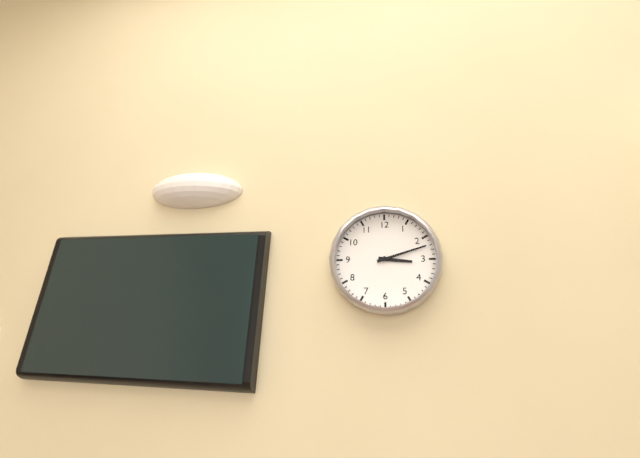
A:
3,12
